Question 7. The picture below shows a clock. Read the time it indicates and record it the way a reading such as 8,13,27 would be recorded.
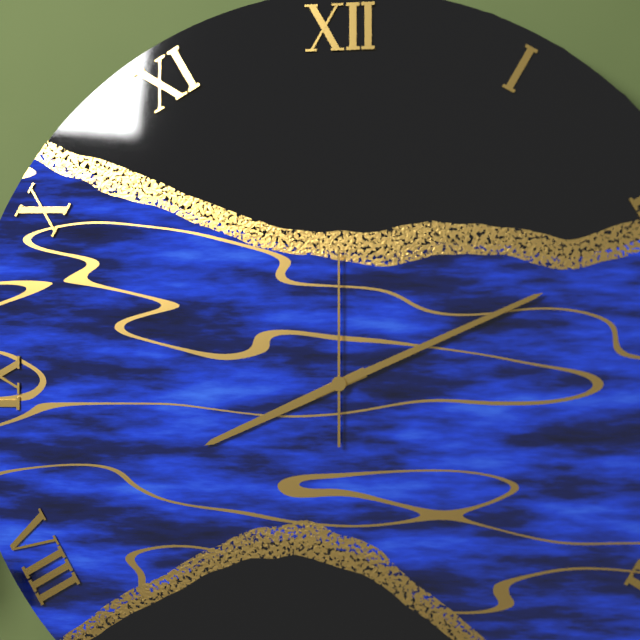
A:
8,11,00
